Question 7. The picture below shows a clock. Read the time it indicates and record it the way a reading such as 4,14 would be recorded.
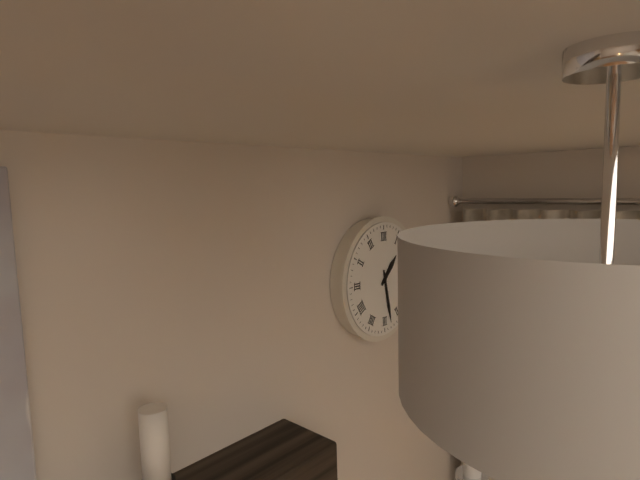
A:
1,28
